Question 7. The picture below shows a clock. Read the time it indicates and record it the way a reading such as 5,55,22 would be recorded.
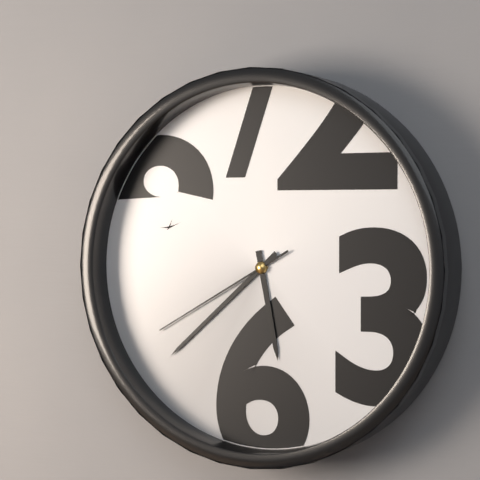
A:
5,38,40
